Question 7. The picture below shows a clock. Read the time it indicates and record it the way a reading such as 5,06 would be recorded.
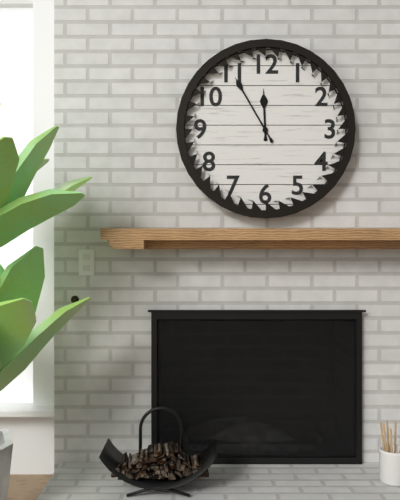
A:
11,55
